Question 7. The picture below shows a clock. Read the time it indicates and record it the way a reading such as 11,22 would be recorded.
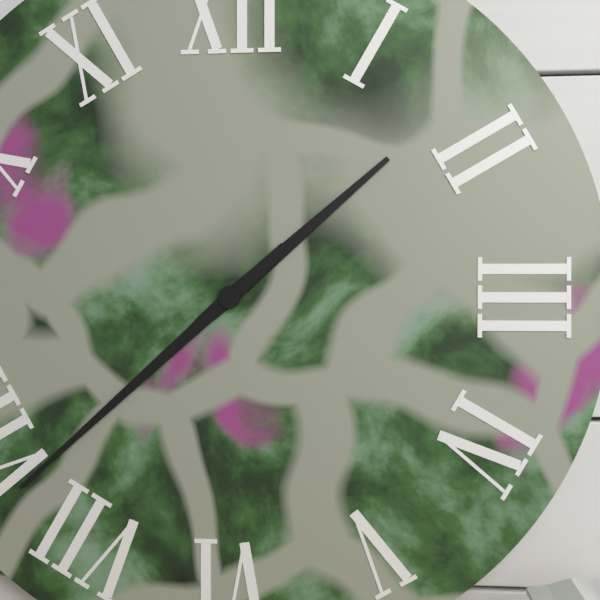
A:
1,38
